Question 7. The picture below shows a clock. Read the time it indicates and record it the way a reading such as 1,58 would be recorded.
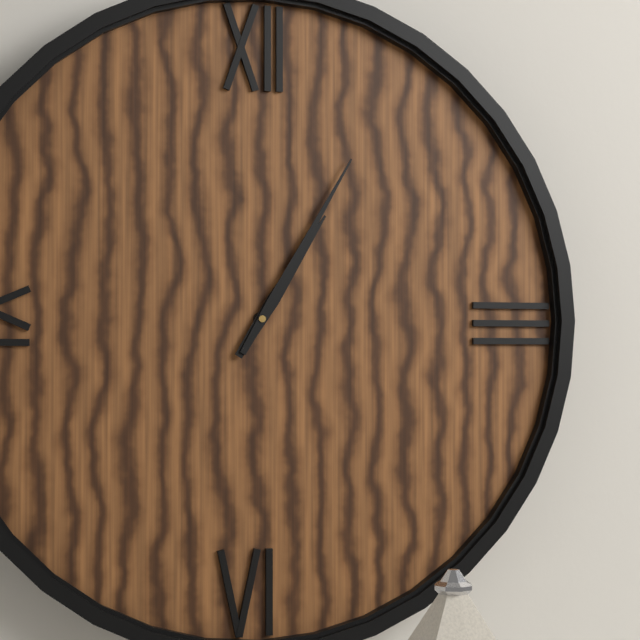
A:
1,05
